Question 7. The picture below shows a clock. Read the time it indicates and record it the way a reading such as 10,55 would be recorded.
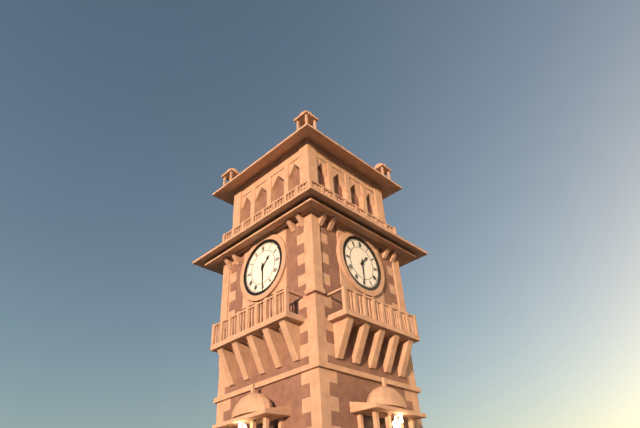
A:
1,30
